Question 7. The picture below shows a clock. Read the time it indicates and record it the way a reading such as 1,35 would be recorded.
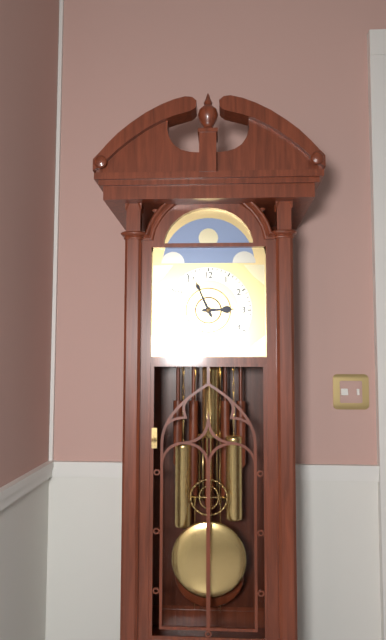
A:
2,56
